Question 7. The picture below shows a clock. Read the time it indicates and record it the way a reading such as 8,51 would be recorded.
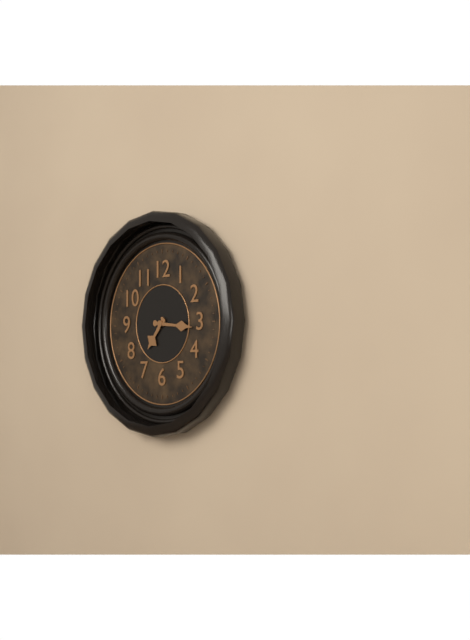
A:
7,16
